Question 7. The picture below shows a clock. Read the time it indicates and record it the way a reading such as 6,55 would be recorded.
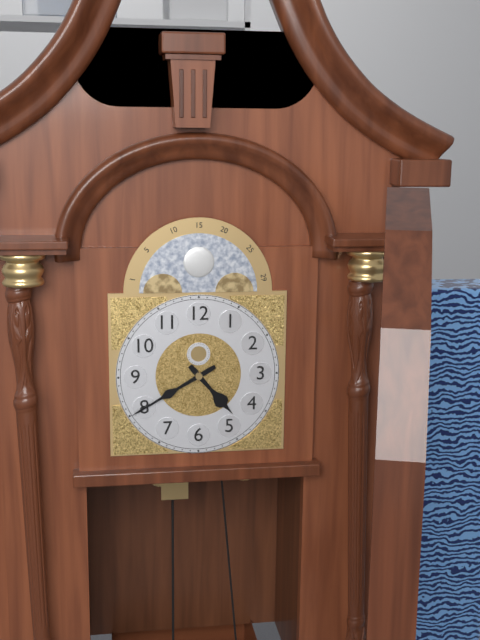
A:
4,40
